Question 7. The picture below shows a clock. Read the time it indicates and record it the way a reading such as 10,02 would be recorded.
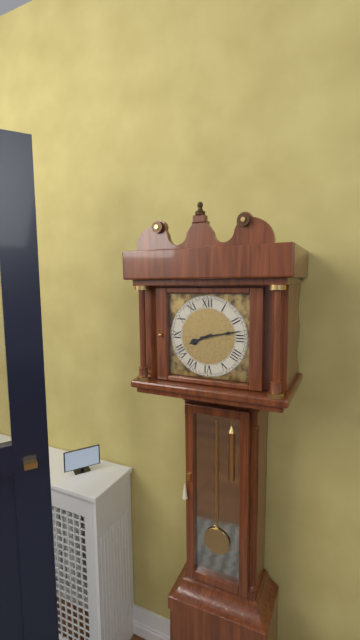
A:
8,13
